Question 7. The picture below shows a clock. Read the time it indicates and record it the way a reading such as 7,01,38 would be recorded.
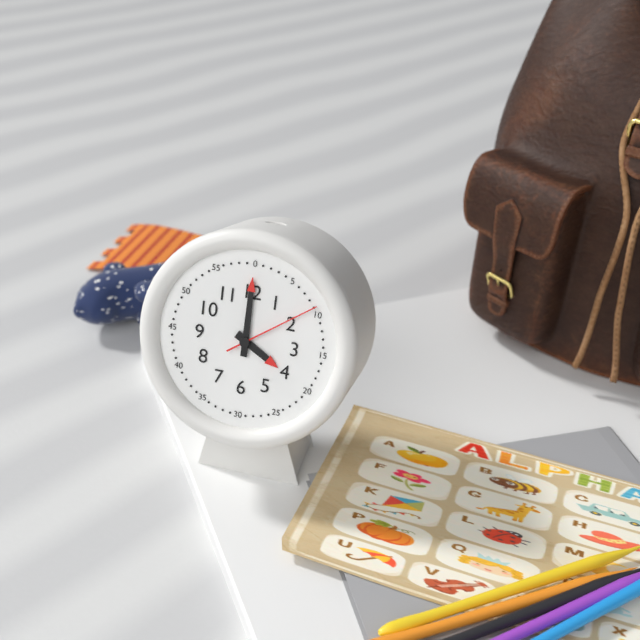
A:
4,00,09
